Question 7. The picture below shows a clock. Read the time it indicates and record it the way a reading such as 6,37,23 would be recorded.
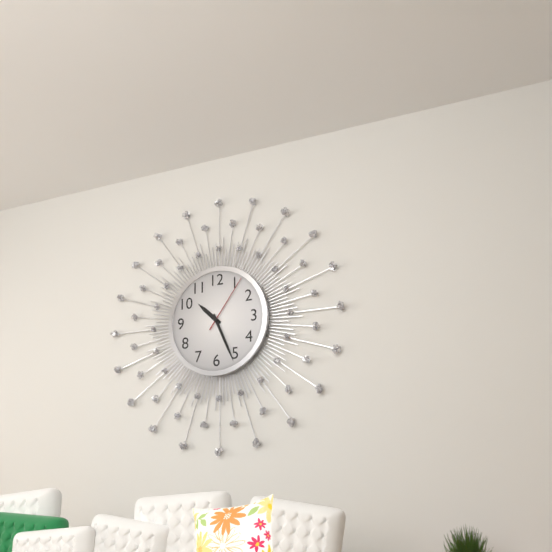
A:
10,26,06
